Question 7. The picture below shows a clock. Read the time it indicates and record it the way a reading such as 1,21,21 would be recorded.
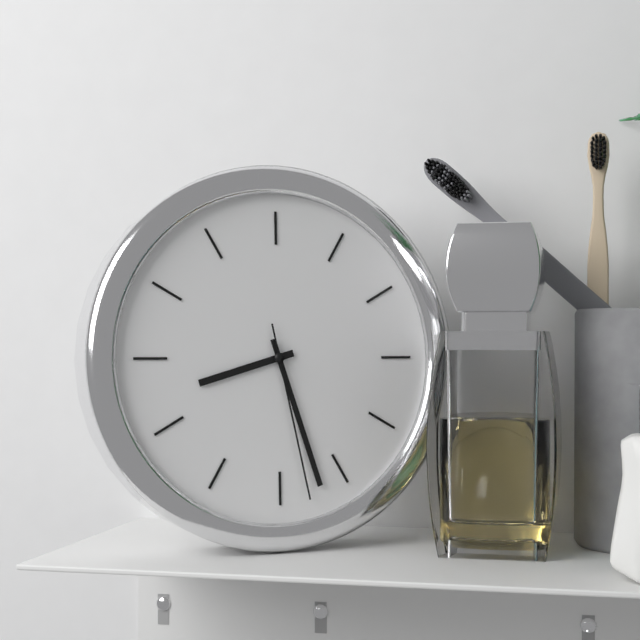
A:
8,27,28
